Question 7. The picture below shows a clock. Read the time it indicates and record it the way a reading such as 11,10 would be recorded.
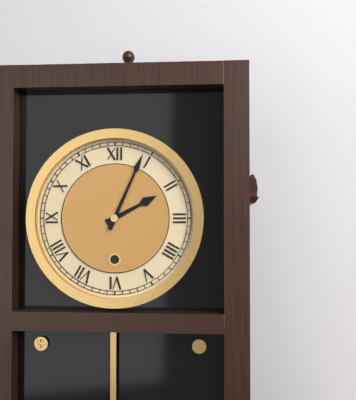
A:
2,04
